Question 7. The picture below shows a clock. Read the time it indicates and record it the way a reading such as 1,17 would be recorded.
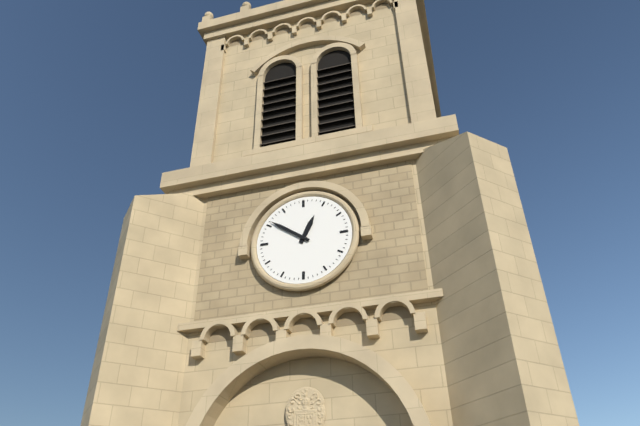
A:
12,51
